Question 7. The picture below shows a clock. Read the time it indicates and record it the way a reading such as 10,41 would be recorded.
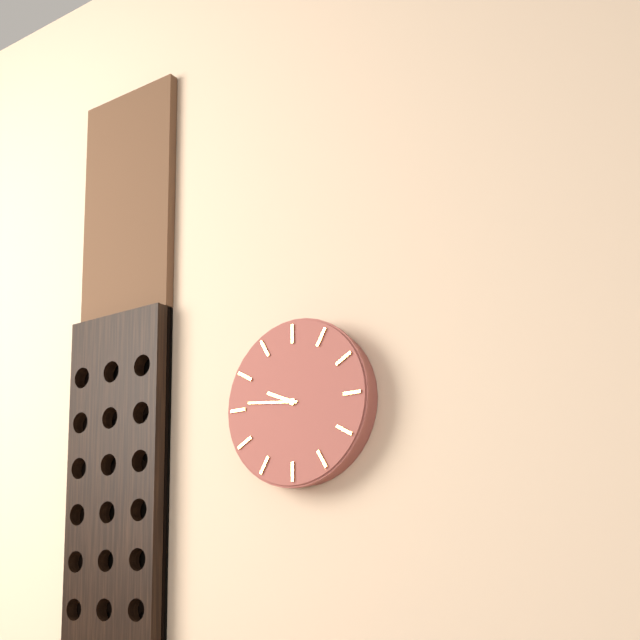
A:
9,46
